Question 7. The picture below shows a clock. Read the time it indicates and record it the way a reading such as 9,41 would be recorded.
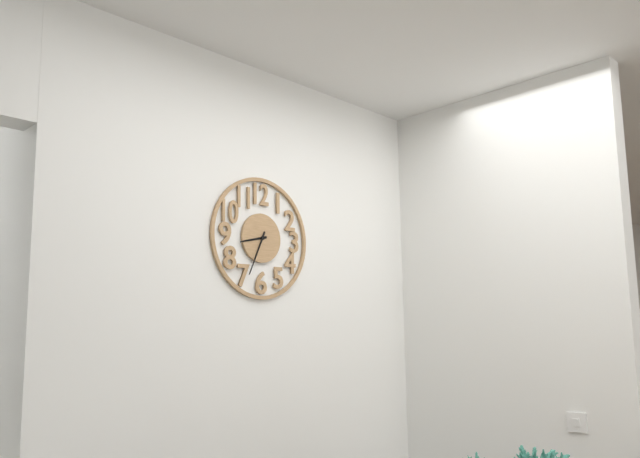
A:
8,34
